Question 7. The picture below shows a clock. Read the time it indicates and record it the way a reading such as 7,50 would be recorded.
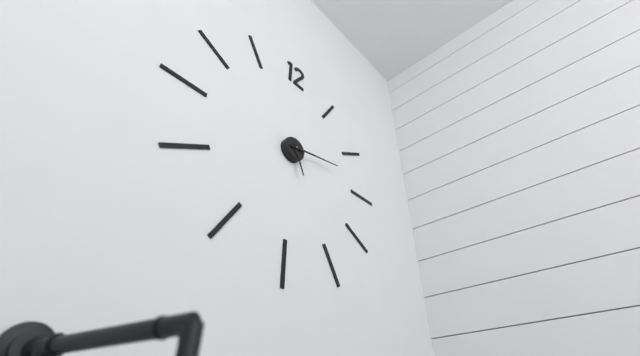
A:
5,13
